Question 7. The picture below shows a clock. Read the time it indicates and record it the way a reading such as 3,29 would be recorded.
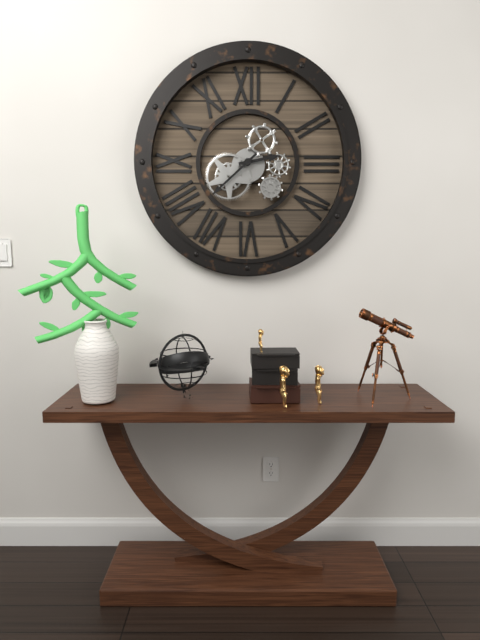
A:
2,38
